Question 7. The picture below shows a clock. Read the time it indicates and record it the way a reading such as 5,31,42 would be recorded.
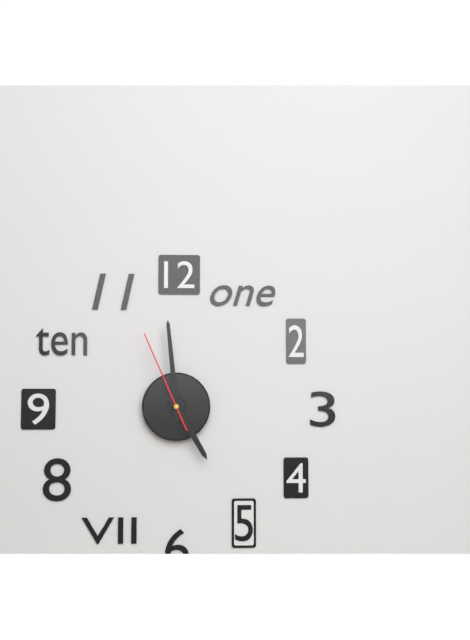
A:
4,59,56
